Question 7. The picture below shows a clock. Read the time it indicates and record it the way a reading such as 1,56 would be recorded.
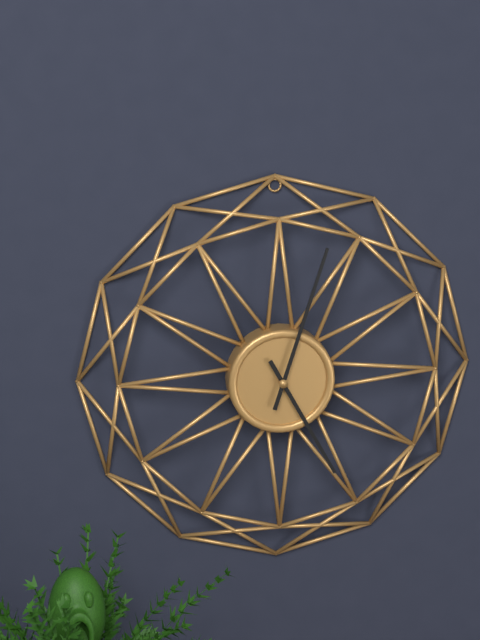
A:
5,03
